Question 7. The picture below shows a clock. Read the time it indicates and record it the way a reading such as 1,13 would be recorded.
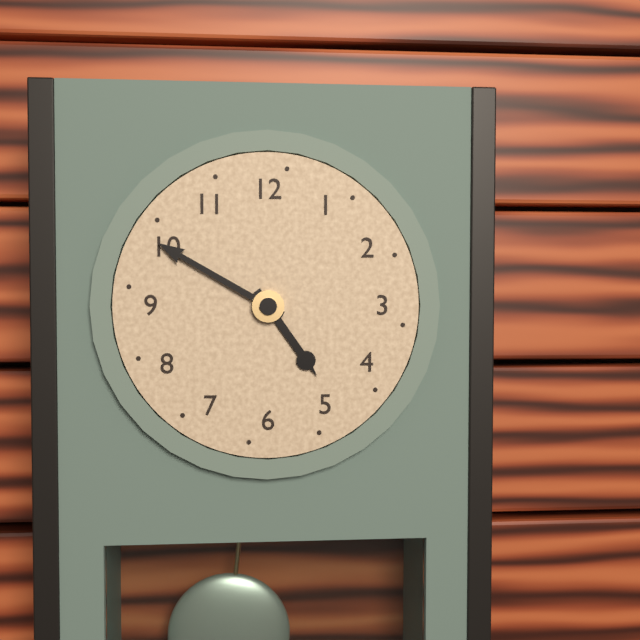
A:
4,50
